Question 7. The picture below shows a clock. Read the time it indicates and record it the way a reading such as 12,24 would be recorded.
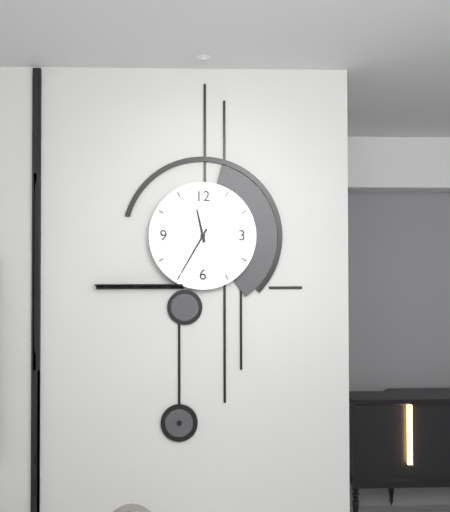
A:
11,35
